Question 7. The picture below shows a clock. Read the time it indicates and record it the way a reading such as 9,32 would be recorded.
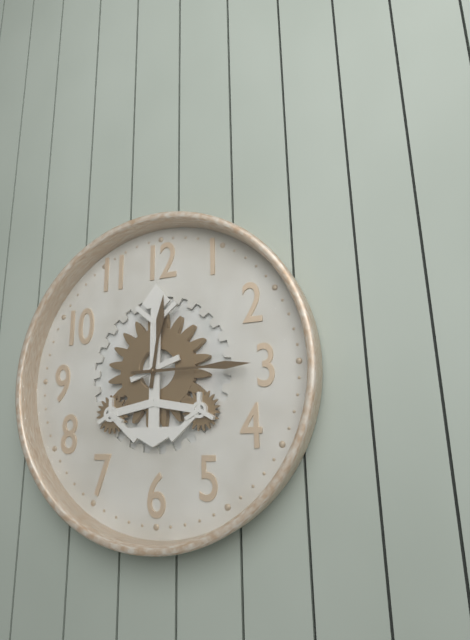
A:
12,15
